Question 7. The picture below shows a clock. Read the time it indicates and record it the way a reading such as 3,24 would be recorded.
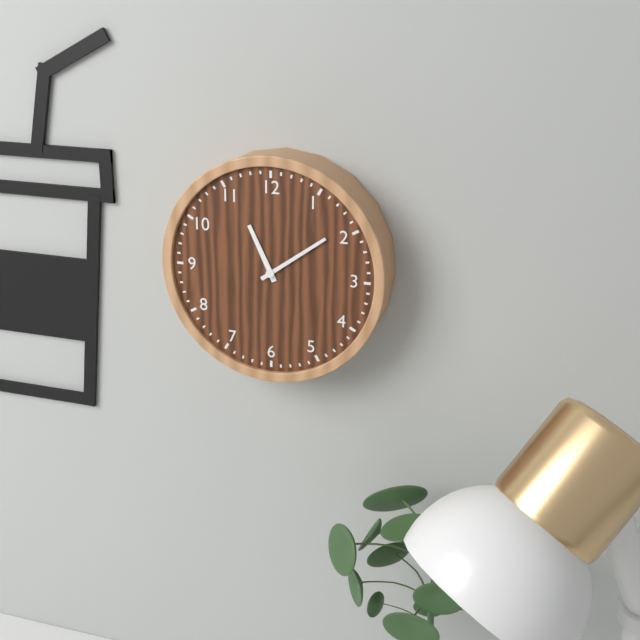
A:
11,09
